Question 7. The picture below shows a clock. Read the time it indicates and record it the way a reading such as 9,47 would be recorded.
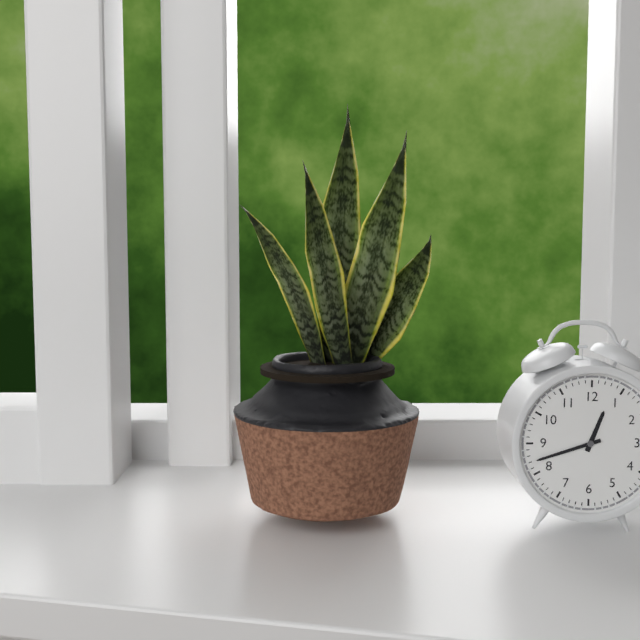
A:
12,42
